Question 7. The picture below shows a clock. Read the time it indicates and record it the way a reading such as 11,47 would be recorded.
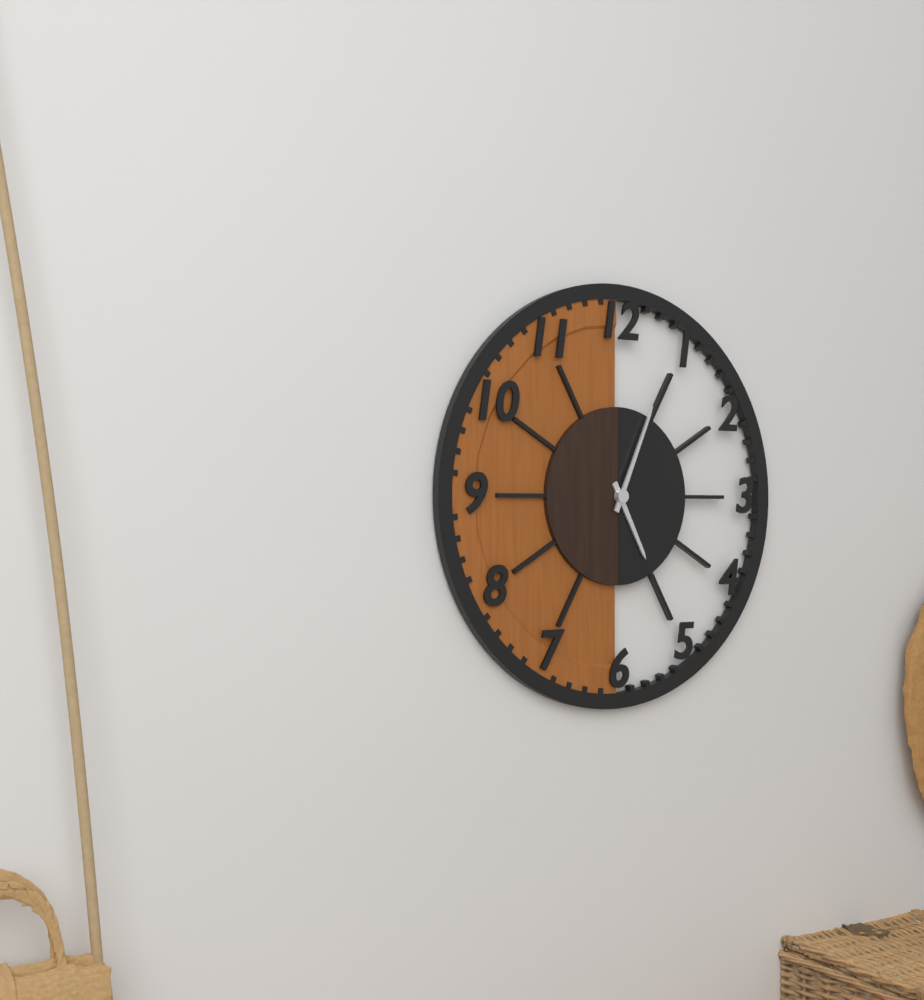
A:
5,04
